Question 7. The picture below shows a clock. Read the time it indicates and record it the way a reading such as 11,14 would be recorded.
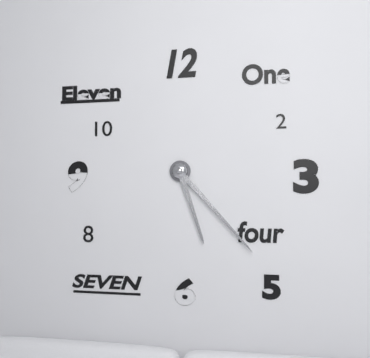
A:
5,23
